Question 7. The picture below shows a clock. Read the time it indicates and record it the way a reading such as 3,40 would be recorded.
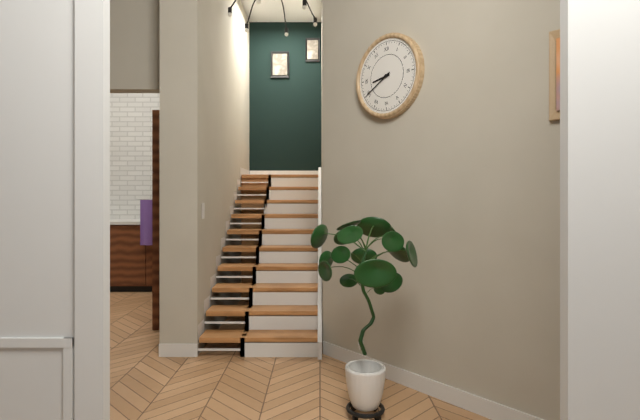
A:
8,40
